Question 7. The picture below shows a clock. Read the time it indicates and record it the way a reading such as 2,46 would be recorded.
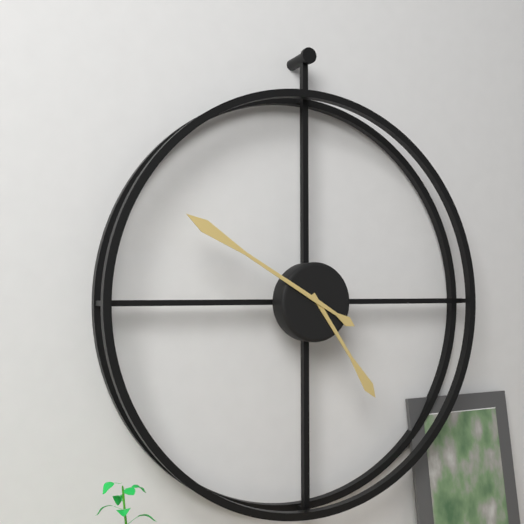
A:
4,50
